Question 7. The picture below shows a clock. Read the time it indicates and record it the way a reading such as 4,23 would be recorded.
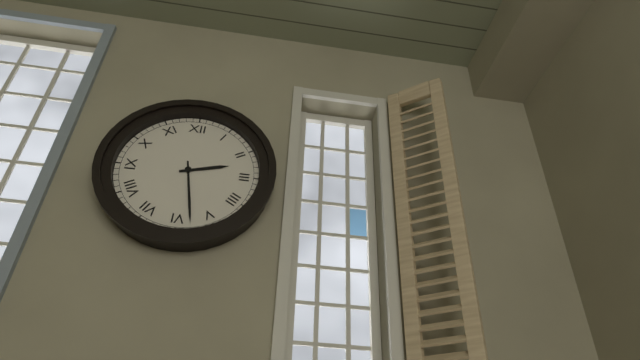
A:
2,28
